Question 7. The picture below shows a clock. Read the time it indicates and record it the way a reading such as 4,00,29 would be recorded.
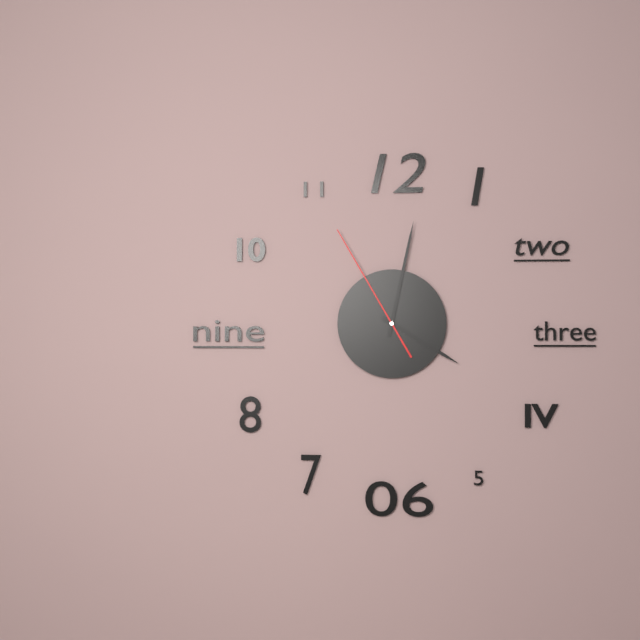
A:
4,02,55
